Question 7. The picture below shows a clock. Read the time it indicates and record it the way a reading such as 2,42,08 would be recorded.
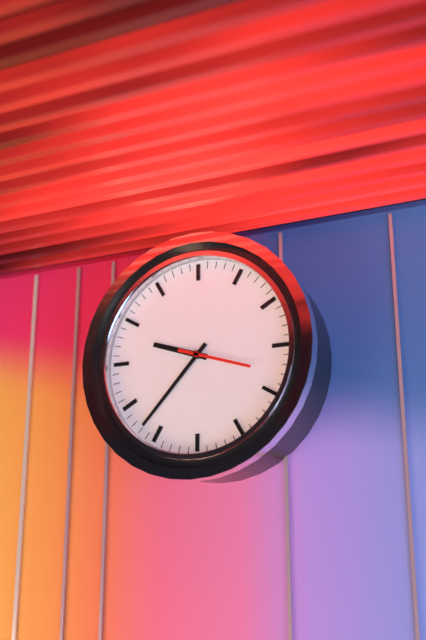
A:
9,37,18
